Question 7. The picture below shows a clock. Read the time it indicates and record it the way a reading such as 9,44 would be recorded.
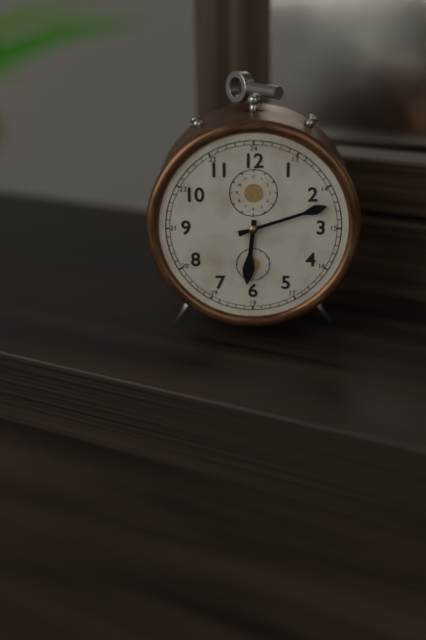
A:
6,12
